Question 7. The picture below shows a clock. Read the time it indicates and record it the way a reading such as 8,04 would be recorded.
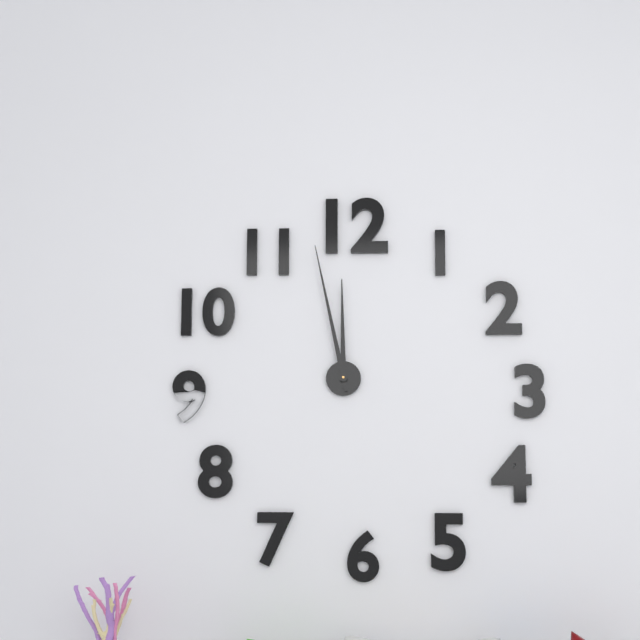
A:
11,58
